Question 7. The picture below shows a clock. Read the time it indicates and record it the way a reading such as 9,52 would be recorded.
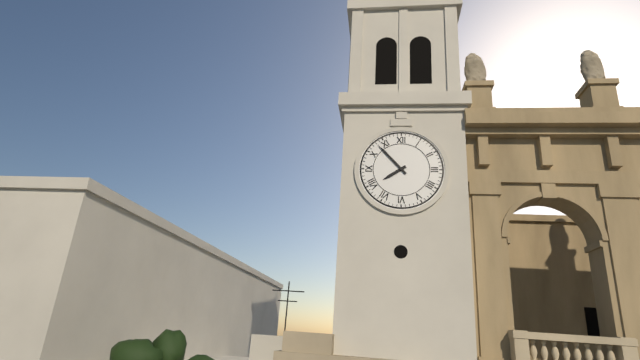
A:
7,53
